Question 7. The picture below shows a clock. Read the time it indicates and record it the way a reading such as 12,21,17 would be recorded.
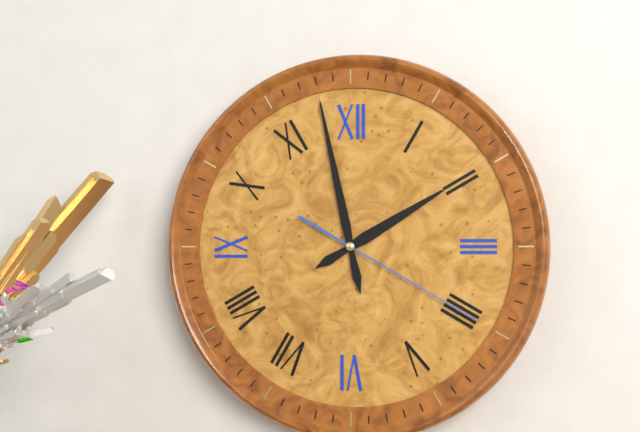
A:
1,58,20
